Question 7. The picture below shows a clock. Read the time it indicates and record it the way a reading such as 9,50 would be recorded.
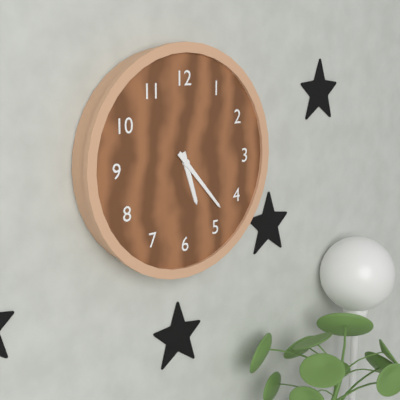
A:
5,23
